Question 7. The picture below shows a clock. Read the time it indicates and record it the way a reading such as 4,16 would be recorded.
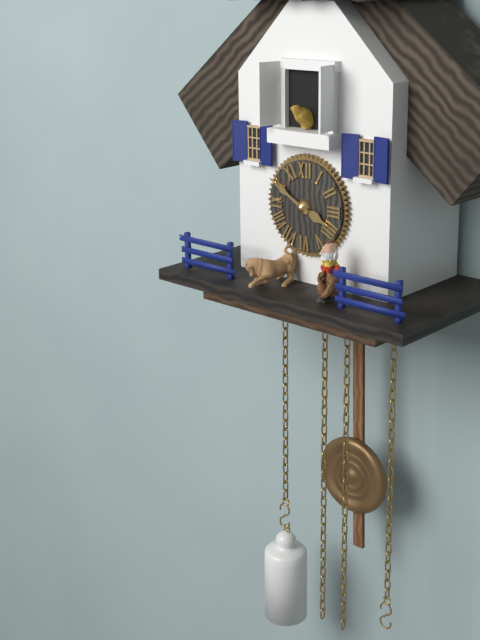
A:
3,50
